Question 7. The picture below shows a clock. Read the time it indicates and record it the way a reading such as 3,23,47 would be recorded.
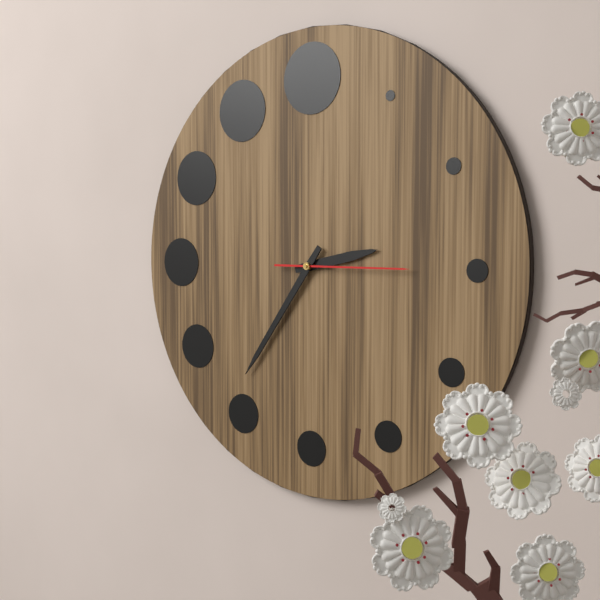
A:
2,36,15
